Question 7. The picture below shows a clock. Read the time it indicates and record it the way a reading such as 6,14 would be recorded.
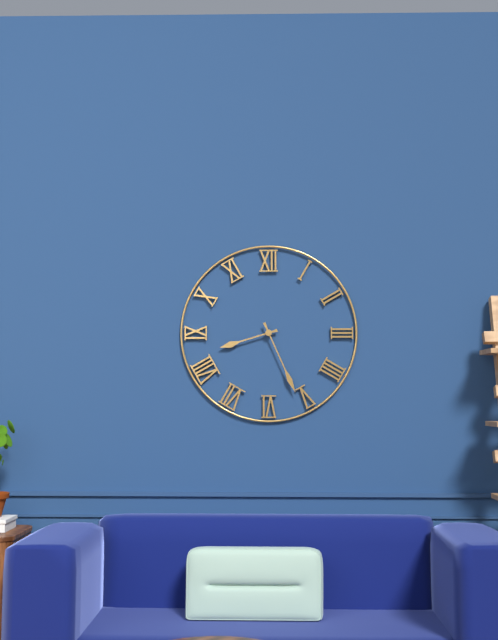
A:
8,26
